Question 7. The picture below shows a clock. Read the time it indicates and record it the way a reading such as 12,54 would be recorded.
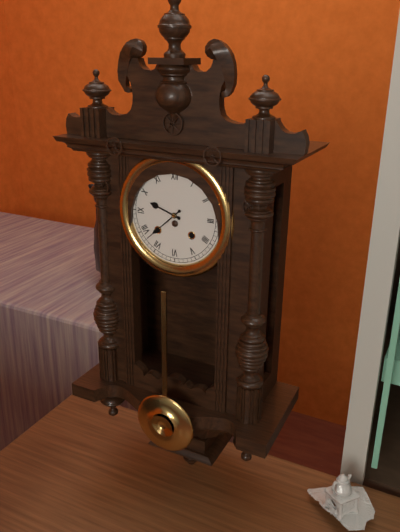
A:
9,38
